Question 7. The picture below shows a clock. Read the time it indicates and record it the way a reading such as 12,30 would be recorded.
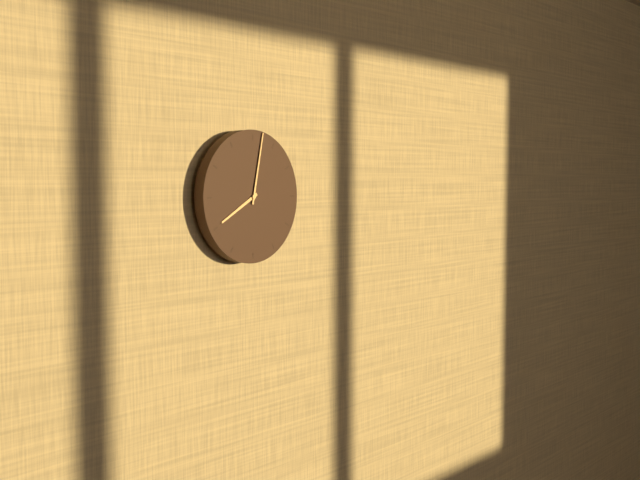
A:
8,02
